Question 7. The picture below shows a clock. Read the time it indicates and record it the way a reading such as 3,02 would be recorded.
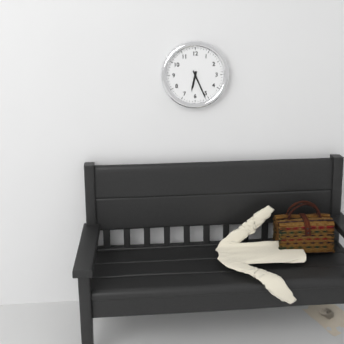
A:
6,26
